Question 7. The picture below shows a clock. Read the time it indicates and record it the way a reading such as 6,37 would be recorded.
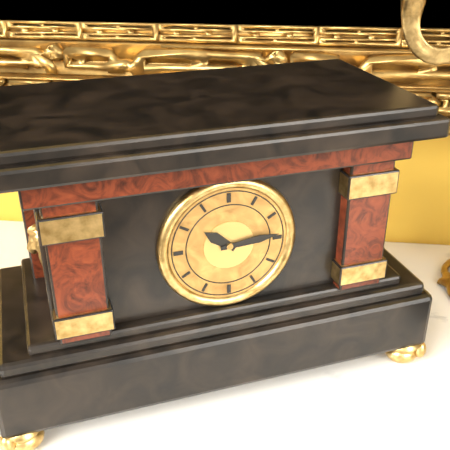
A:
10,14
